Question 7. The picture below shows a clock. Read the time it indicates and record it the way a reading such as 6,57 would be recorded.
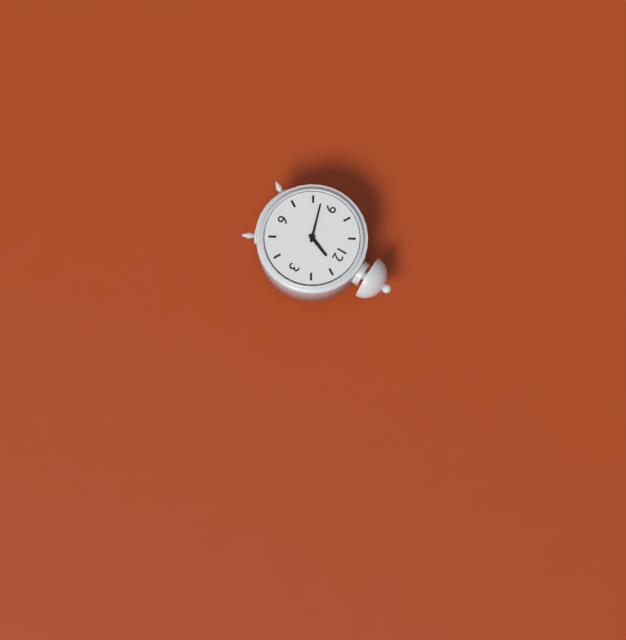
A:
12,42
